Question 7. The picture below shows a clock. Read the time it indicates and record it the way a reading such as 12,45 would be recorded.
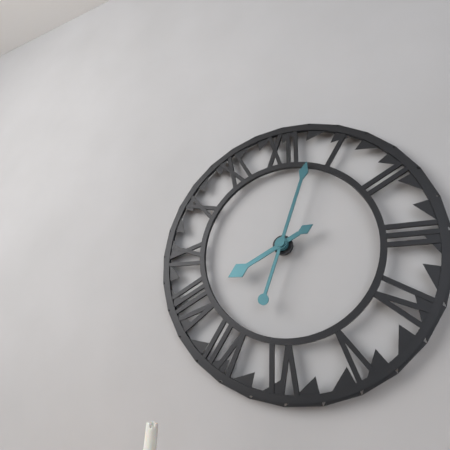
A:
8,03
